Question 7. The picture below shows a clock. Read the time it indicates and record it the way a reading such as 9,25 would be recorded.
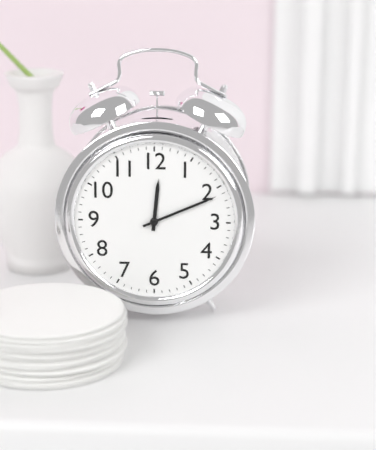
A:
12,11
